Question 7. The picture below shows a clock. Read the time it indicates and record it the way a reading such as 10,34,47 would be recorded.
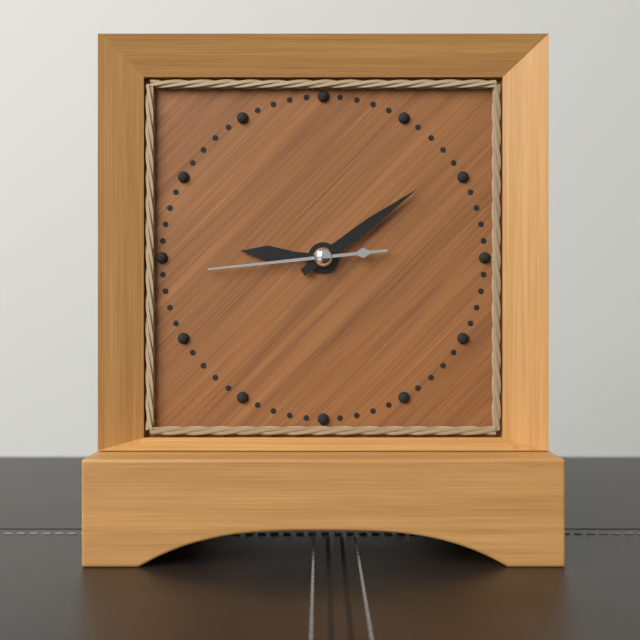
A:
9,09,44
